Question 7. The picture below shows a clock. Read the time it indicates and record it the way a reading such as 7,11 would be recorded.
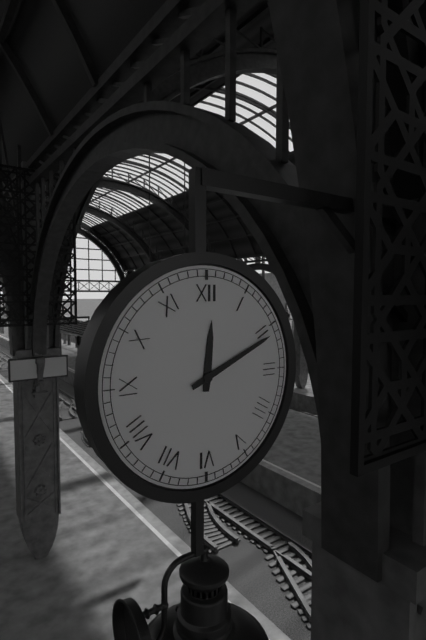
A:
12,11
